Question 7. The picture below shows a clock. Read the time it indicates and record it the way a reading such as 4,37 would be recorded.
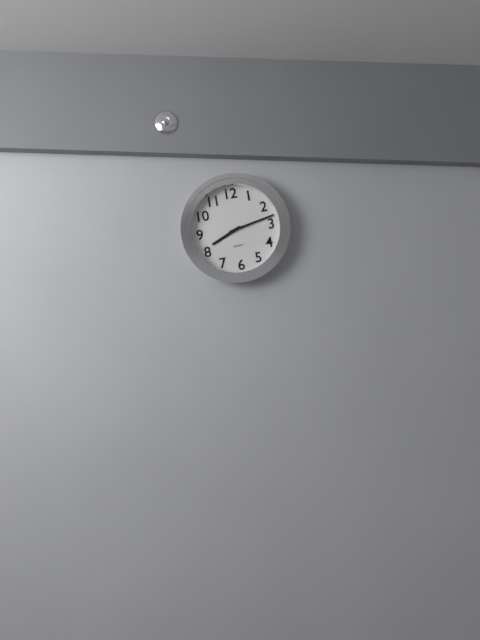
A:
8,13
